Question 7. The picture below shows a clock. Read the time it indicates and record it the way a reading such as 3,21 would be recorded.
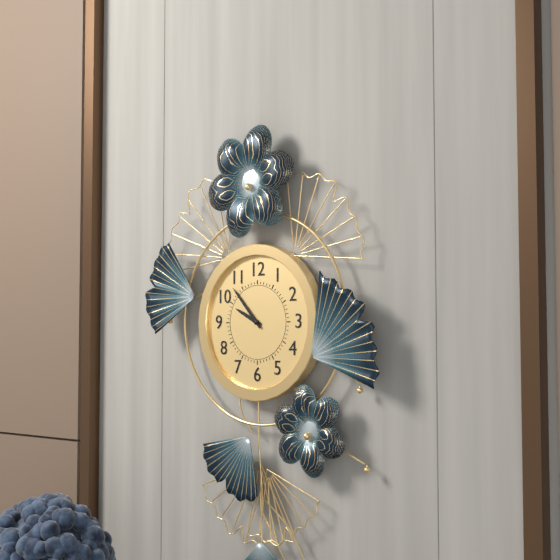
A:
9,53
